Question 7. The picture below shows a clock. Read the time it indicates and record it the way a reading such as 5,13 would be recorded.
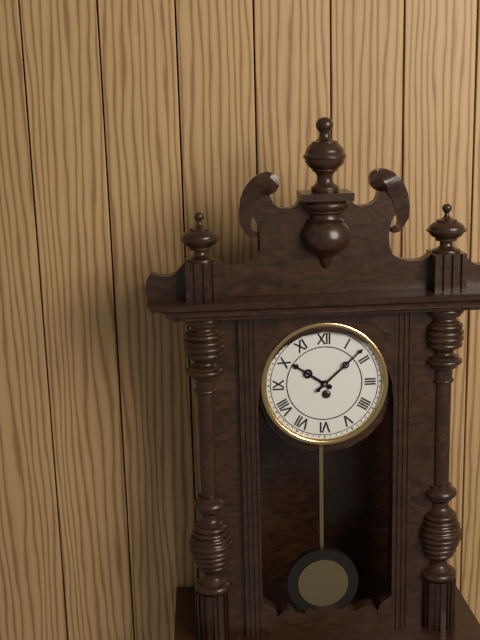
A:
10,08
